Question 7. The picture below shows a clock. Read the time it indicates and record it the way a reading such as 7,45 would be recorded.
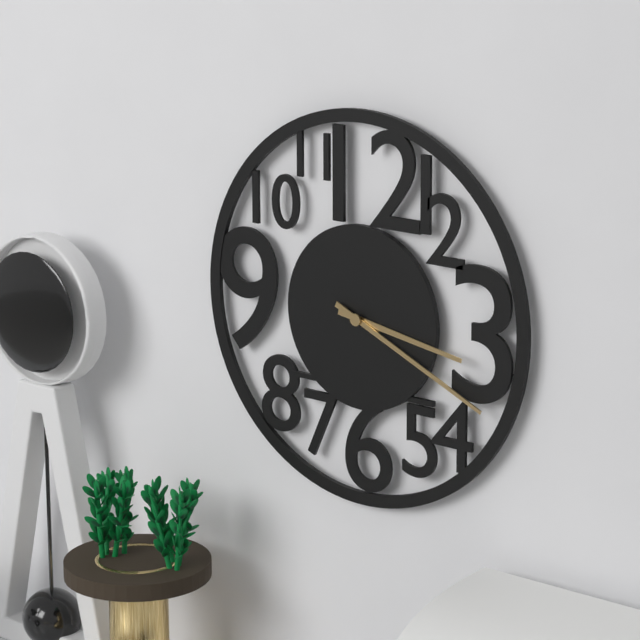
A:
3,19
